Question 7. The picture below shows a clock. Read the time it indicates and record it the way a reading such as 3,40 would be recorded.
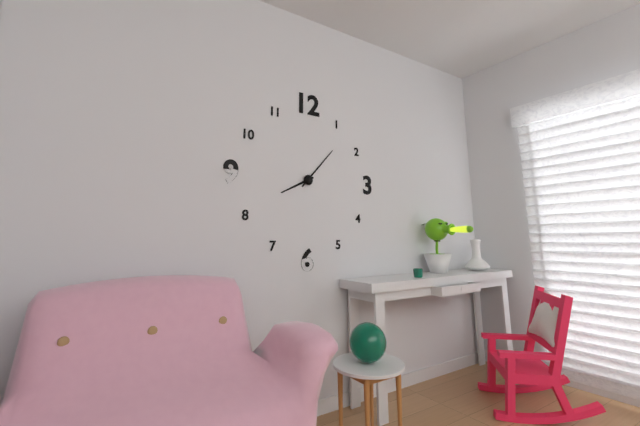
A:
8,07
